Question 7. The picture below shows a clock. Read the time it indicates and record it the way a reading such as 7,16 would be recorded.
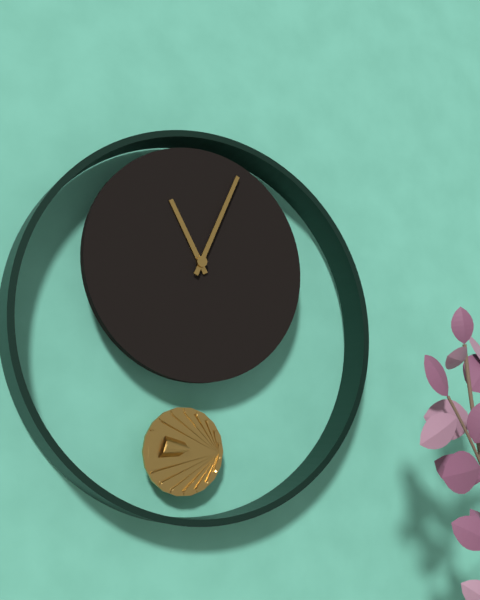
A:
11,04
